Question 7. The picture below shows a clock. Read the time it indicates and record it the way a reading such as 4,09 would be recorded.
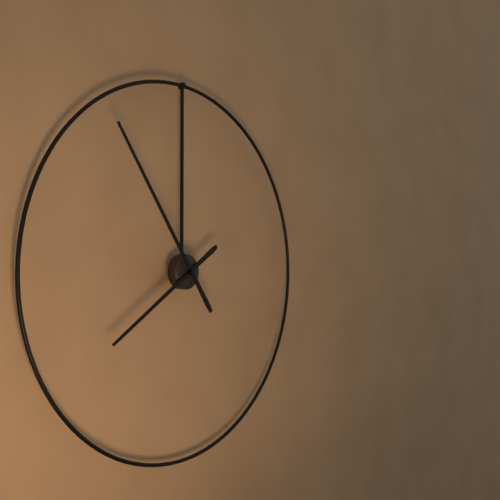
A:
7,54
